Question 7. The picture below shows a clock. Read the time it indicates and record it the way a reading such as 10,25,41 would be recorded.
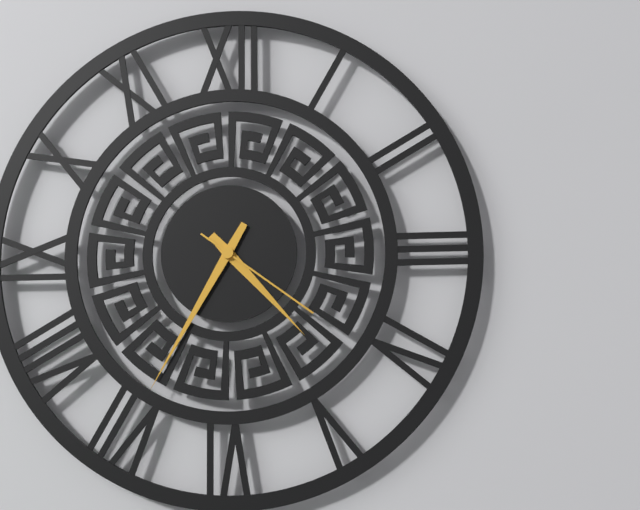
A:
4,35,21
